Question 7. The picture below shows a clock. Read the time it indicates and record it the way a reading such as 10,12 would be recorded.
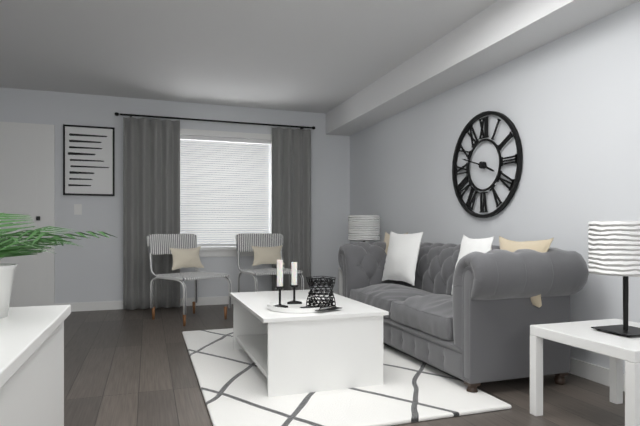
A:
3,48
